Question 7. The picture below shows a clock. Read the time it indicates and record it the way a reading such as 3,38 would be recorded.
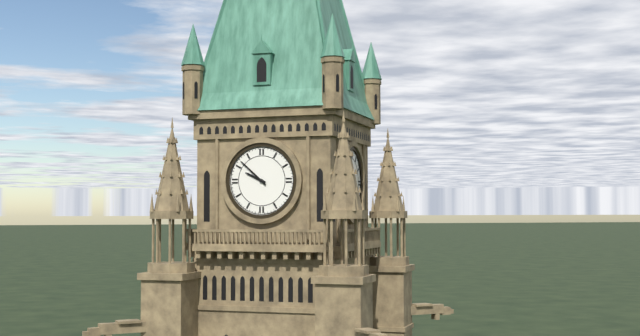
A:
9,52
